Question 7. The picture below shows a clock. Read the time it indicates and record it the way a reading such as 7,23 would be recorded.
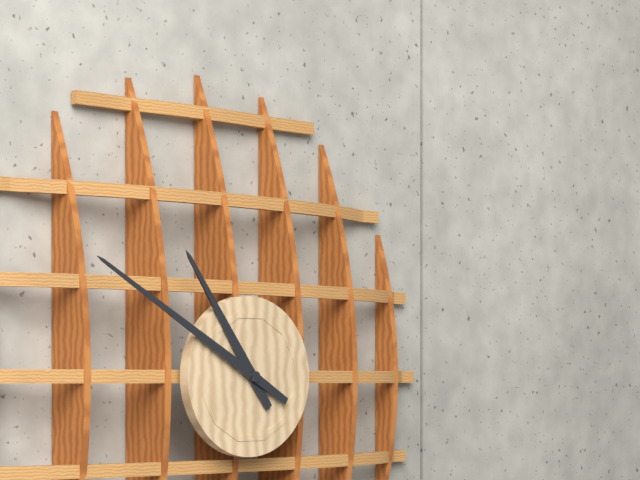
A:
10,50
